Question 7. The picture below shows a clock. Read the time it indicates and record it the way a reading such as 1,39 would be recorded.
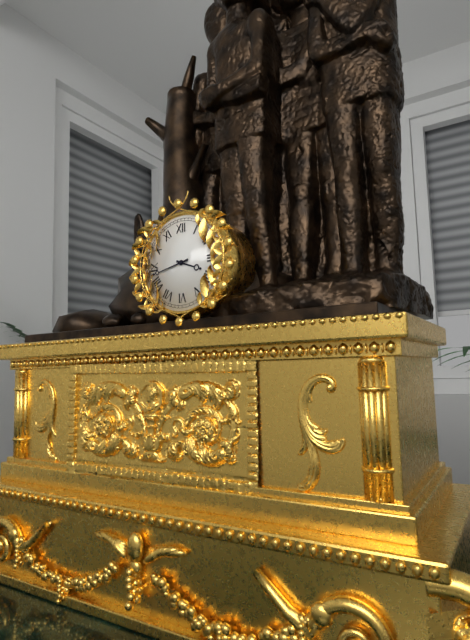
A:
3,43
